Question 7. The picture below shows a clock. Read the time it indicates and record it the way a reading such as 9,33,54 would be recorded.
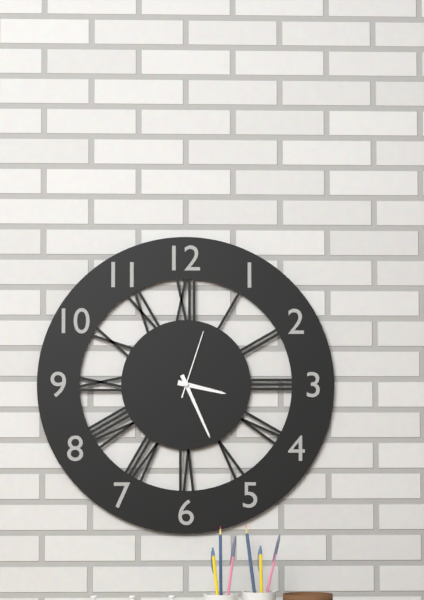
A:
3,26,03
